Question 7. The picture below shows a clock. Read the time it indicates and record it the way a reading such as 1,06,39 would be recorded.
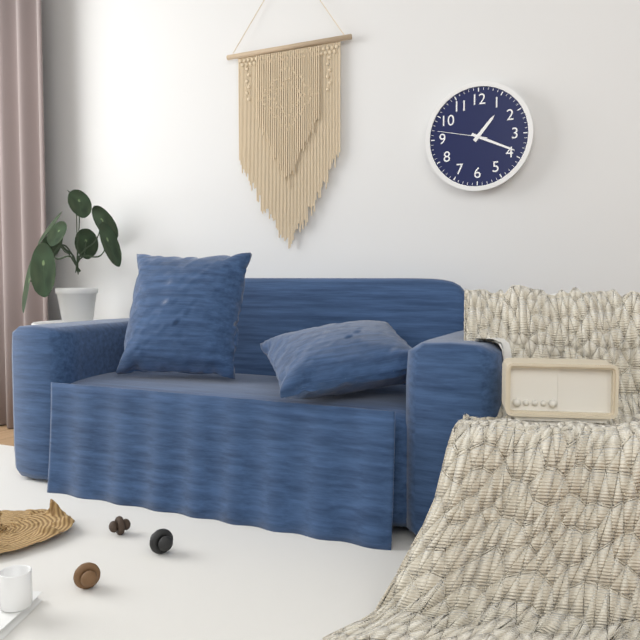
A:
1,19,47
